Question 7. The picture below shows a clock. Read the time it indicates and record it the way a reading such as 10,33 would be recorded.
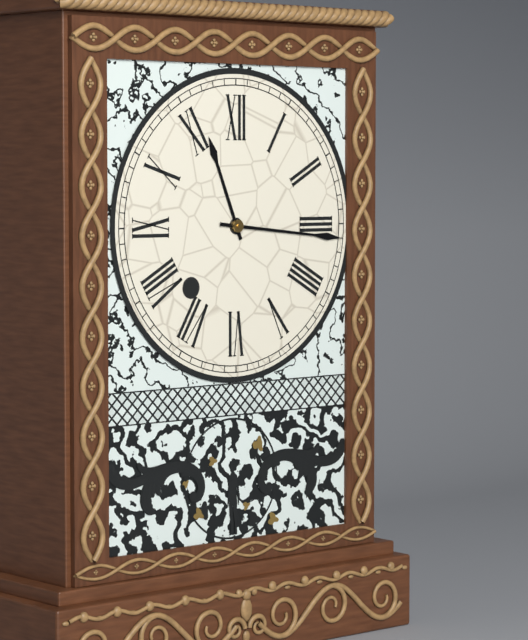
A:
11,16
